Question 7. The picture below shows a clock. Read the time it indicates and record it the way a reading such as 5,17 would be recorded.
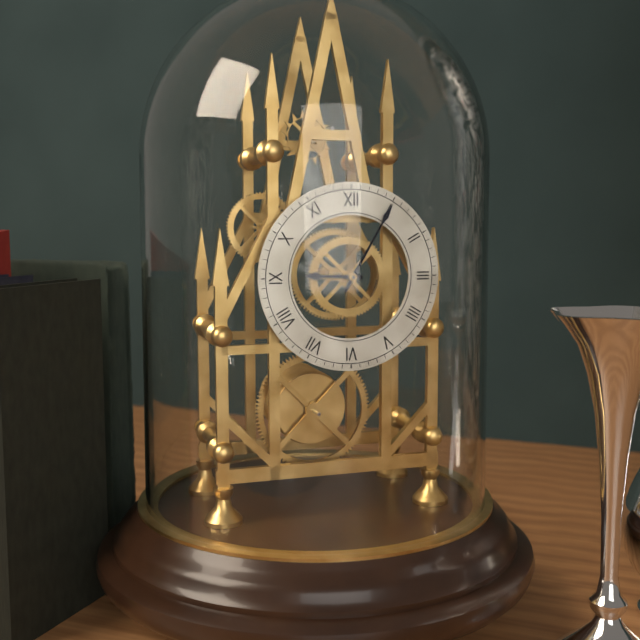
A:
9,05
